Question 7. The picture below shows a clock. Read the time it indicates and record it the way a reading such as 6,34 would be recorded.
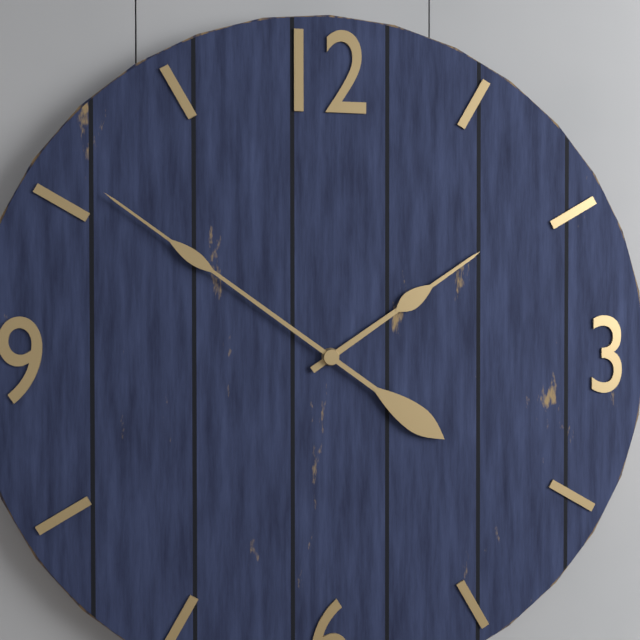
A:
1,51
